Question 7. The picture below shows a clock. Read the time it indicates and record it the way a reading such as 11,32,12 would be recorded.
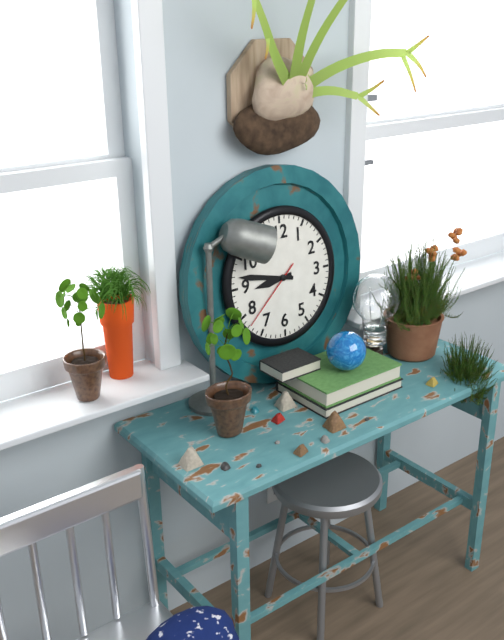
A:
8,47,38
